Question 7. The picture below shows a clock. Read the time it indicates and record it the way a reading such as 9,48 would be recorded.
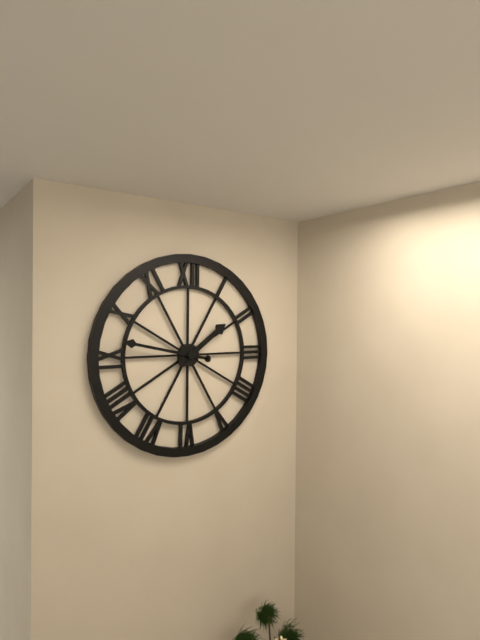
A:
1,47
